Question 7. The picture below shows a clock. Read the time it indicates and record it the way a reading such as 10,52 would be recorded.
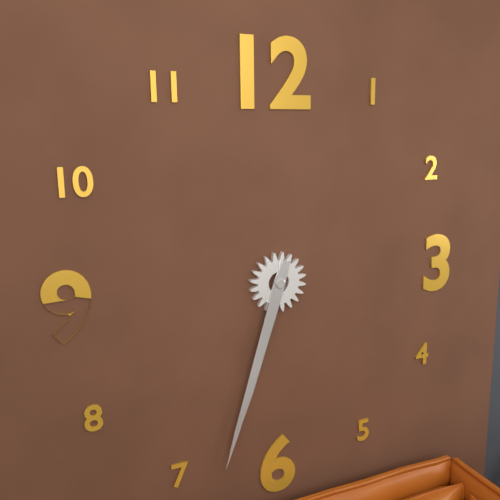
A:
6,33
